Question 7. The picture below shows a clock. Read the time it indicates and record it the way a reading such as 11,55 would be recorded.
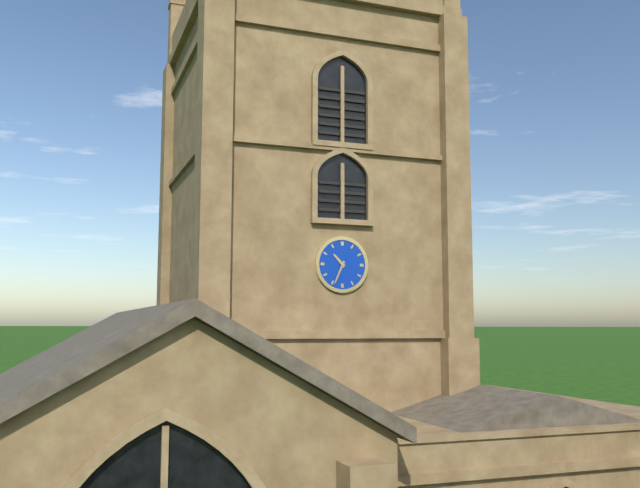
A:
10,34
